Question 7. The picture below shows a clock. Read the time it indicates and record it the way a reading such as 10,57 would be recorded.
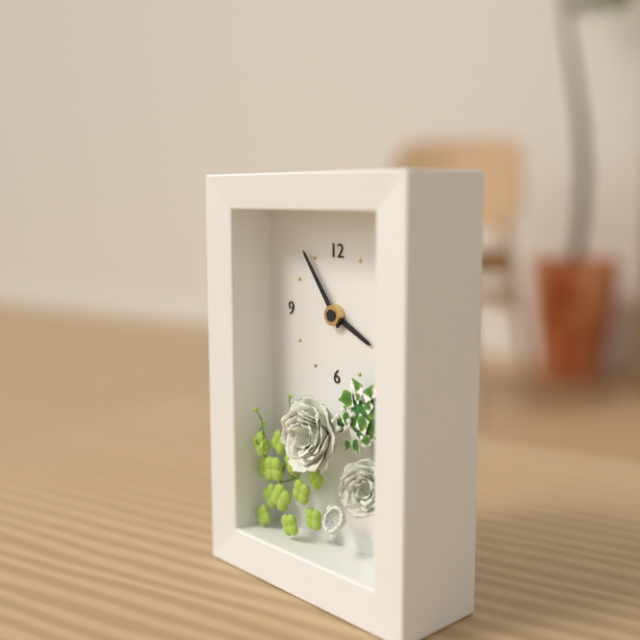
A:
3,54
